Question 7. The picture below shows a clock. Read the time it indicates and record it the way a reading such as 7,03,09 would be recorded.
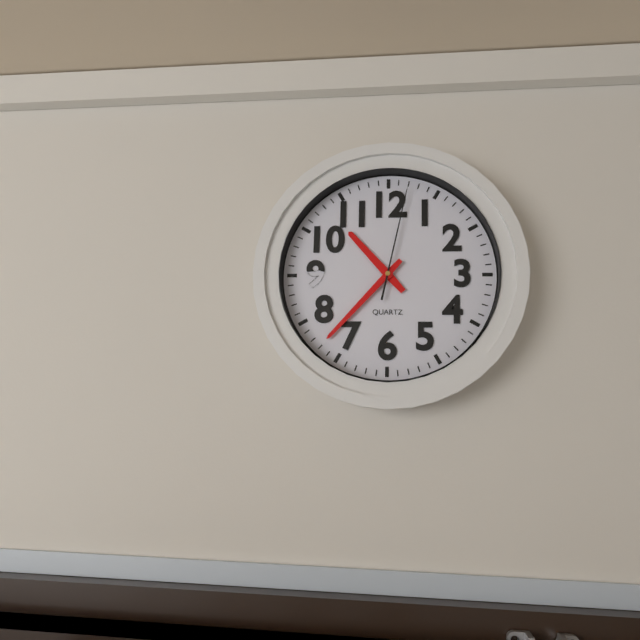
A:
10,37,02
